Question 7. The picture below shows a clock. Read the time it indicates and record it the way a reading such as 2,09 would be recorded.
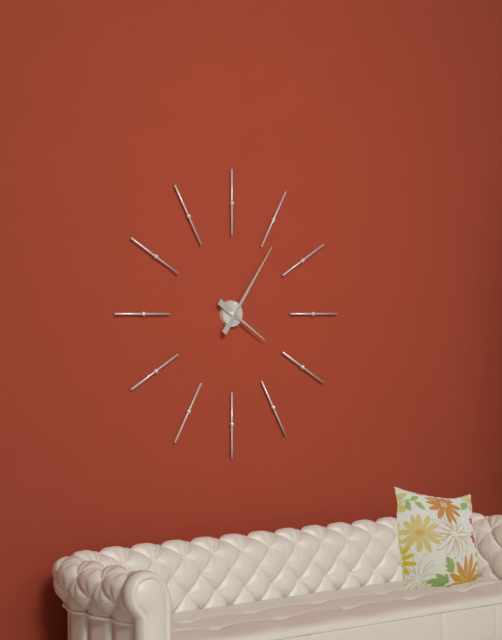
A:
4,06
